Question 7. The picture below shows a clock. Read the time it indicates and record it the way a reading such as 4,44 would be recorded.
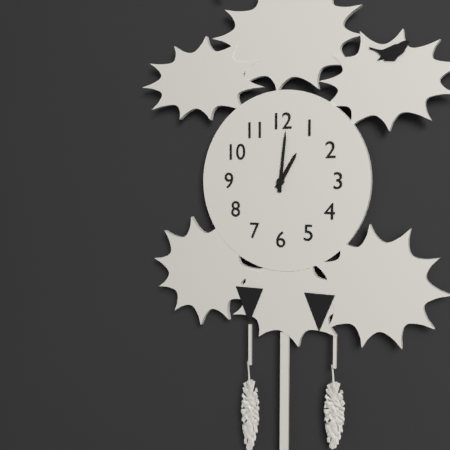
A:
1,01
